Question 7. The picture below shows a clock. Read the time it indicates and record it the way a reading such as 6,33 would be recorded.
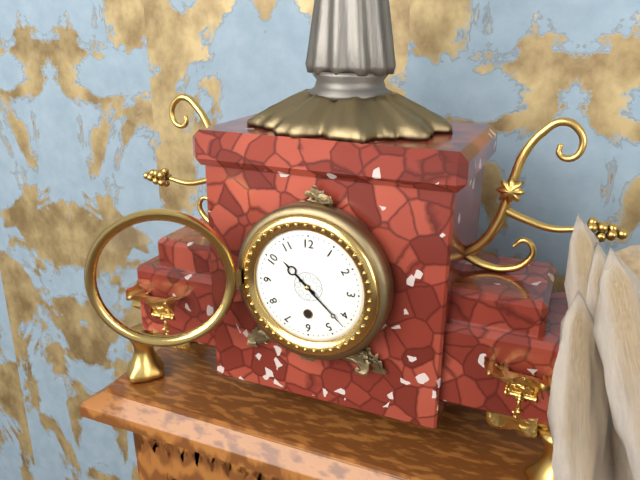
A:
10,22
